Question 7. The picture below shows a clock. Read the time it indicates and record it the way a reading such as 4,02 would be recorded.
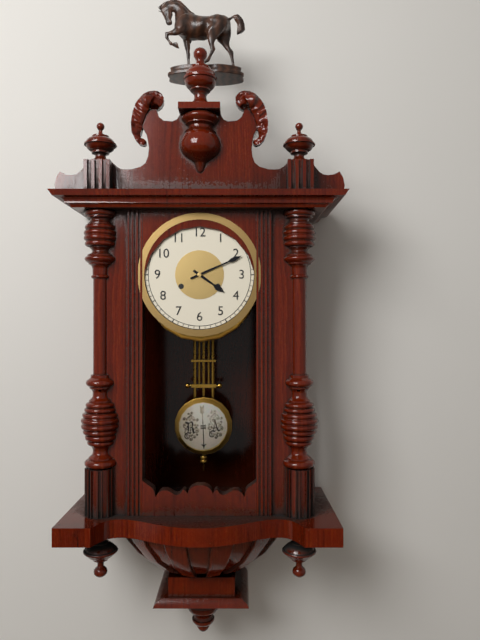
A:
4,11
